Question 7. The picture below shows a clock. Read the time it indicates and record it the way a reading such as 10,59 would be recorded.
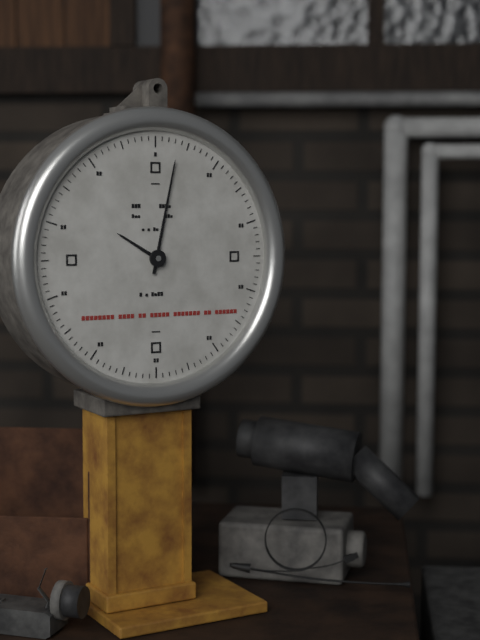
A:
10,02
